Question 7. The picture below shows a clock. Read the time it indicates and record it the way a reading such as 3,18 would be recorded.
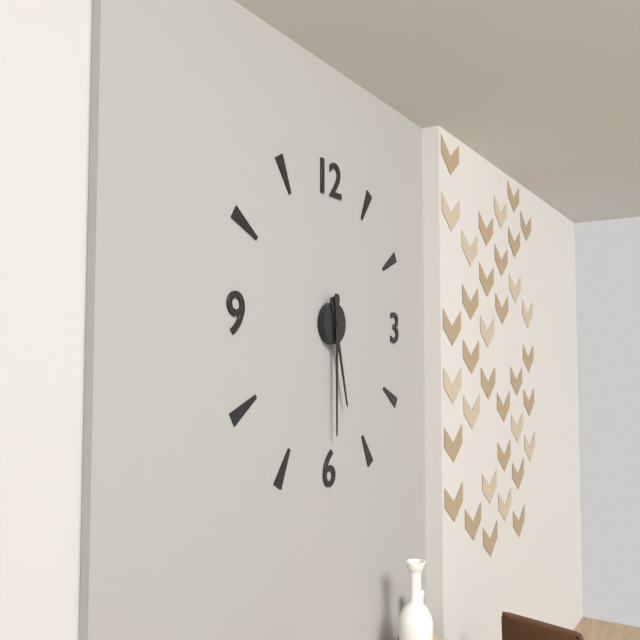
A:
5,30
